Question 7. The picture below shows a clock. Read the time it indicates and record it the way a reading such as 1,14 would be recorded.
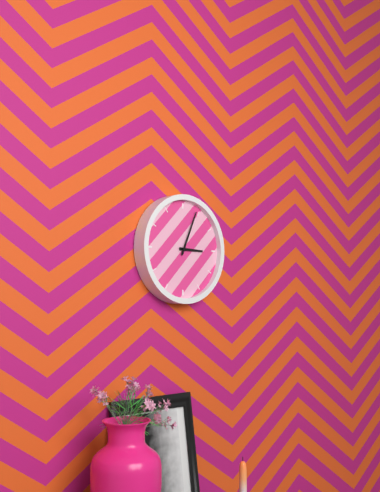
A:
3,04
